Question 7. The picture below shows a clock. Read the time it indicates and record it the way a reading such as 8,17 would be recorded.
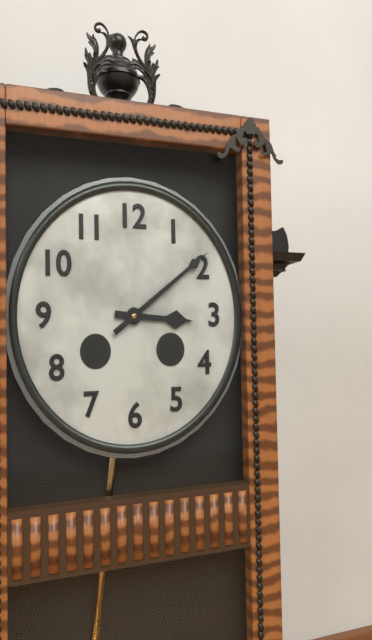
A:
3,09
